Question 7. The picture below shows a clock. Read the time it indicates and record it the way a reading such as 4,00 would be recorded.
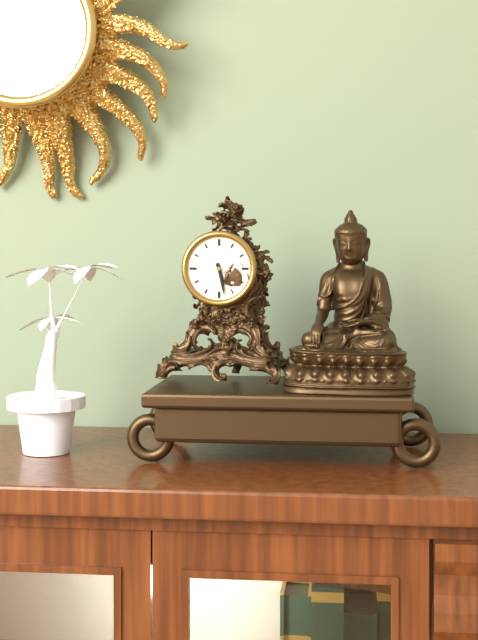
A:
5,28
